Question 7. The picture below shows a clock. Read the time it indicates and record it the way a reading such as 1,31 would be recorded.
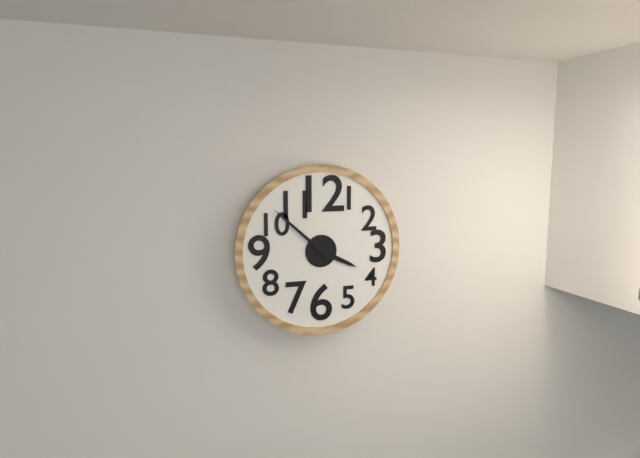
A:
3,52
